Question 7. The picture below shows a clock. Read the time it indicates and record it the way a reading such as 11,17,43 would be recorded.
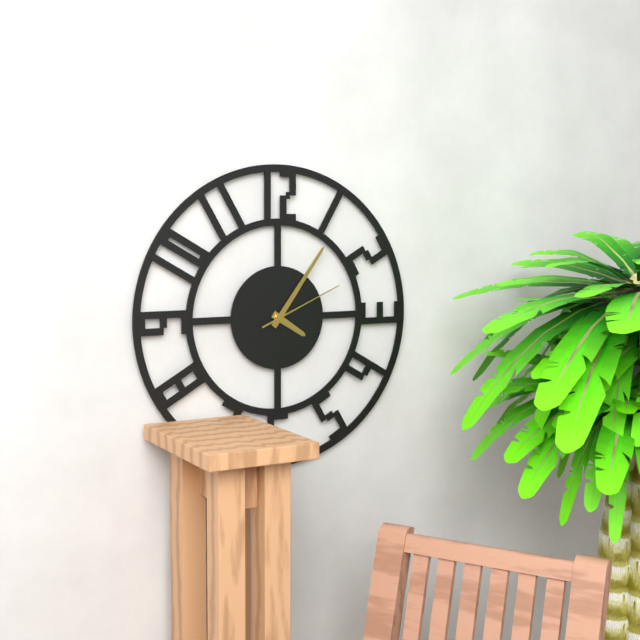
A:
4,06,11
